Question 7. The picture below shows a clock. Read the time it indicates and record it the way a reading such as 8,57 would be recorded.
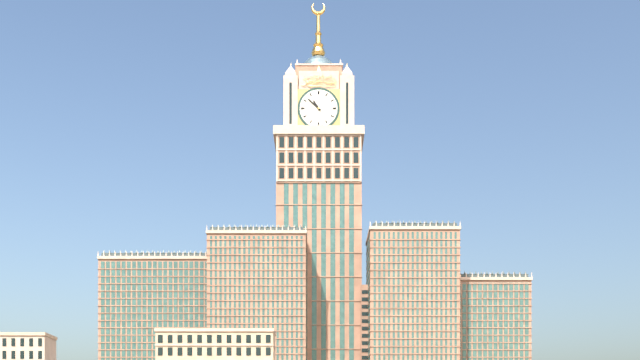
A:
10,52
